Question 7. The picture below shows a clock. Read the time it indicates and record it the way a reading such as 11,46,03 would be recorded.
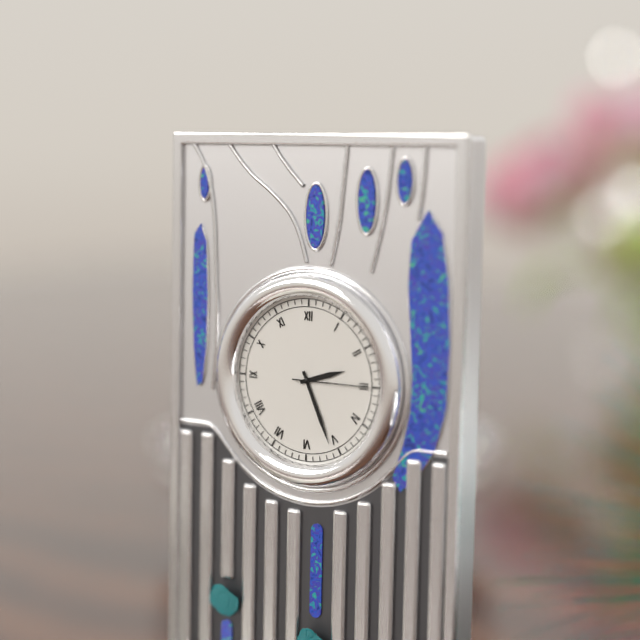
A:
2,26,15
